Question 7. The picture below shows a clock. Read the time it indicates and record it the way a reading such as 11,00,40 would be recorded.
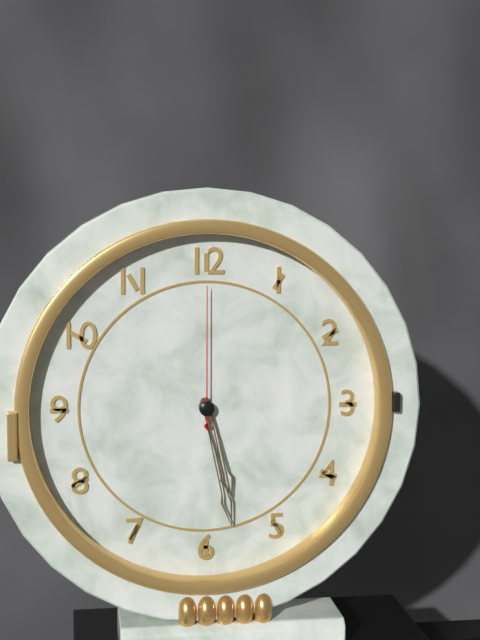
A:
5,28,00
